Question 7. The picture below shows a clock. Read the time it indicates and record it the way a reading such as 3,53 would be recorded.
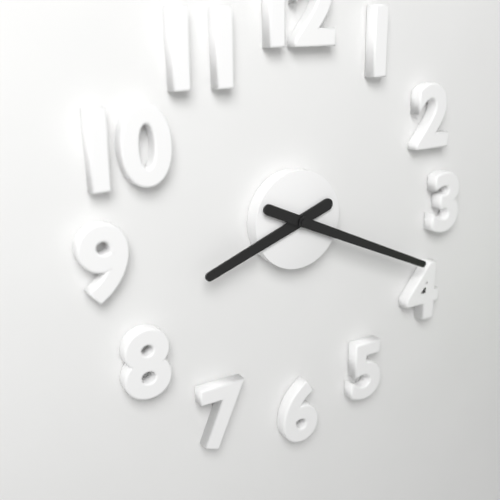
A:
8,19
